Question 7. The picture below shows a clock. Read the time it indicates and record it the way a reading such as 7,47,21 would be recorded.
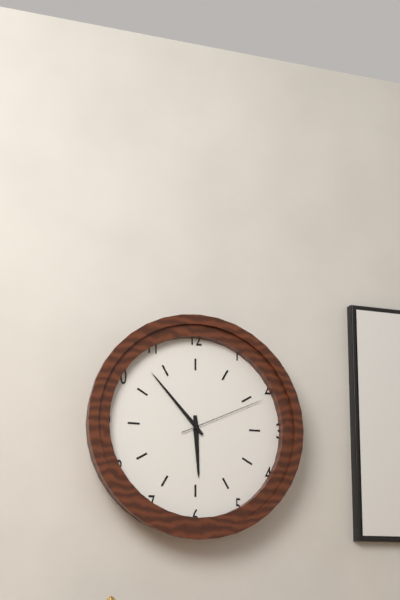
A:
5,53,11
